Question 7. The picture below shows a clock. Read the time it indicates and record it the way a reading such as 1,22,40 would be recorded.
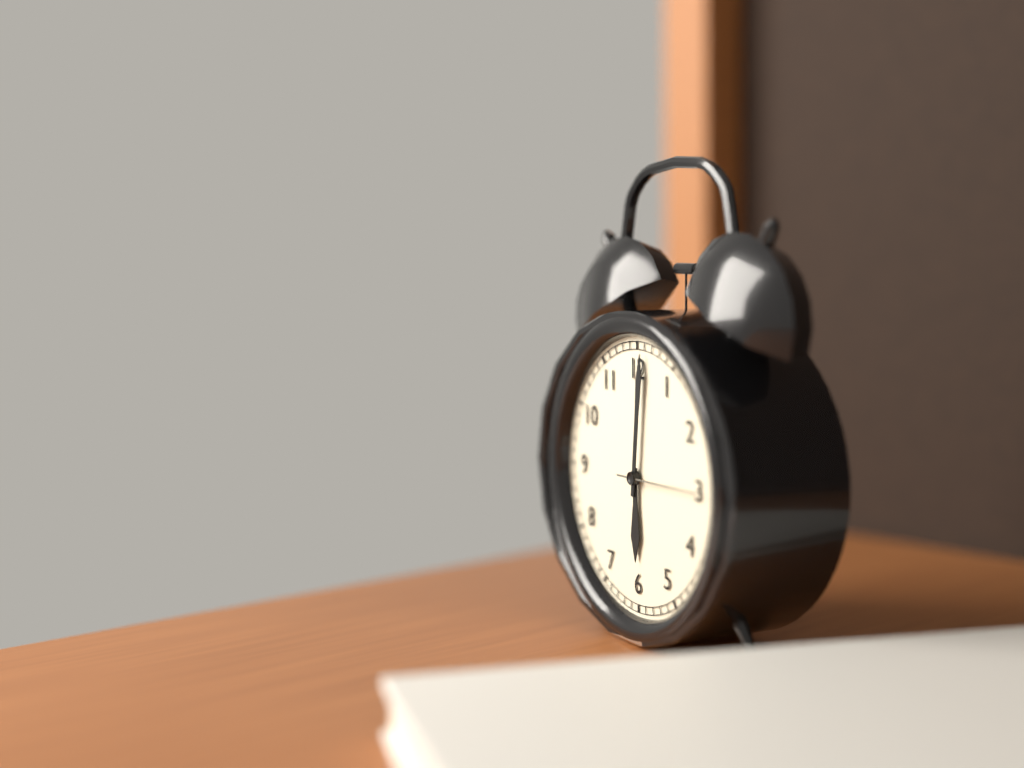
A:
6,01,15
